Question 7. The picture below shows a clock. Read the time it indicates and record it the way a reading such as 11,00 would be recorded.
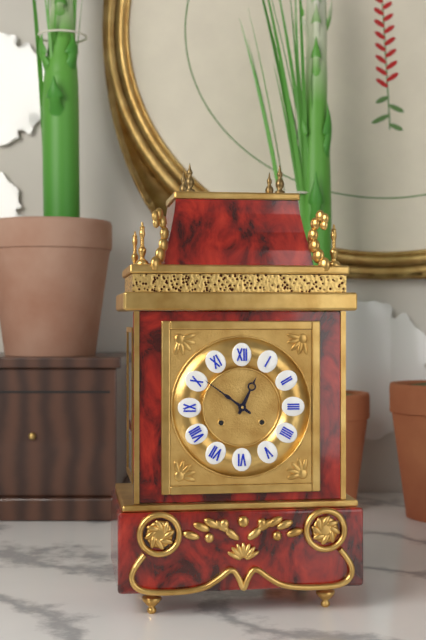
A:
12,51
